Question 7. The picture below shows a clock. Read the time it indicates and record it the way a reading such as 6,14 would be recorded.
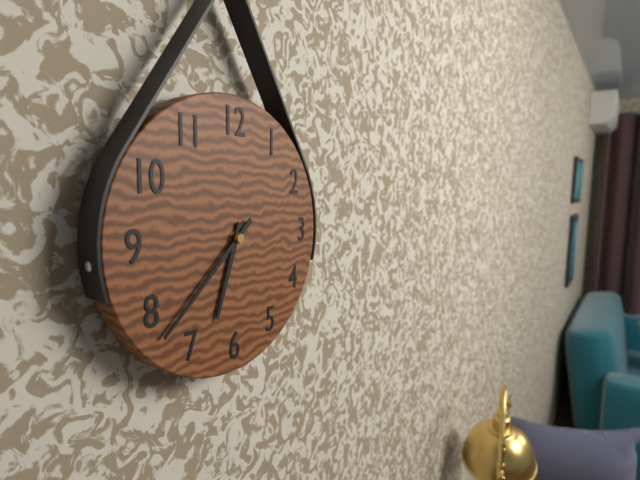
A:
6,38
